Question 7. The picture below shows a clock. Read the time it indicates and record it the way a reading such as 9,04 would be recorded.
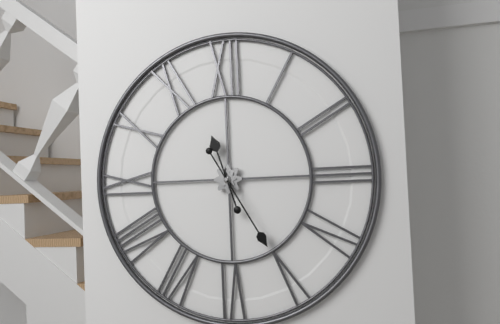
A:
11,25
